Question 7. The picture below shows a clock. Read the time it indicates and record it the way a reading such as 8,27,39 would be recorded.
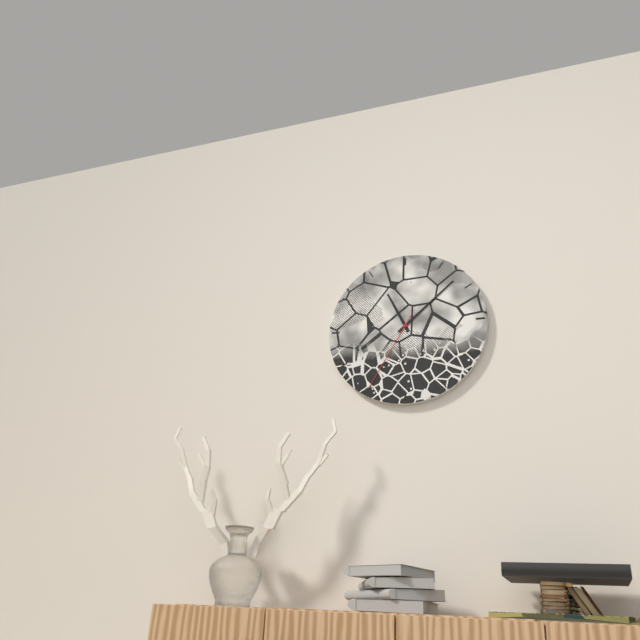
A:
11,08,35
